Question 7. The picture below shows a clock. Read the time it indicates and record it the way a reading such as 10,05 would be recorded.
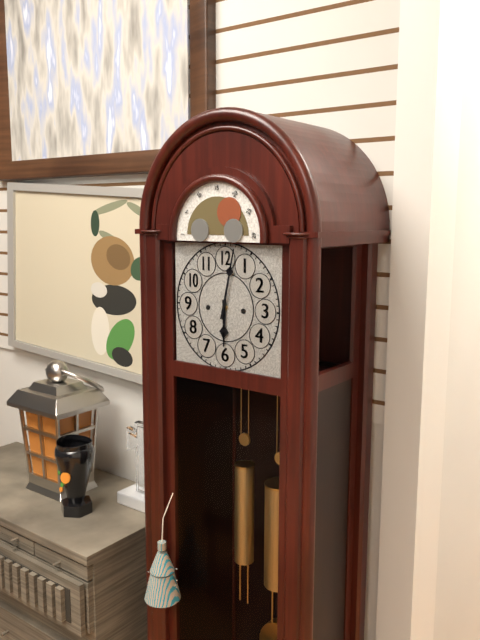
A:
6,02
